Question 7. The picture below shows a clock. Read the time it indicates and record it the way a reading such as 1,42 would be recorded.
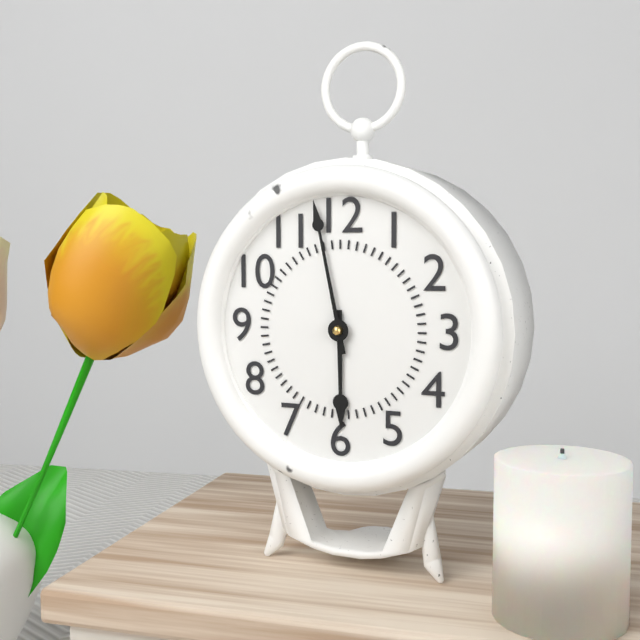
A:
5,58
